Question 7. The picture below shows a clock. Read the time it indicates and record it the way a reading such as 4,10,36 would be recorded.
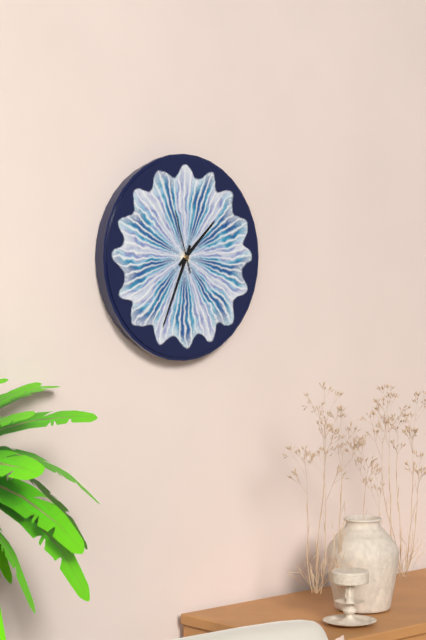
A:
1,34,57
